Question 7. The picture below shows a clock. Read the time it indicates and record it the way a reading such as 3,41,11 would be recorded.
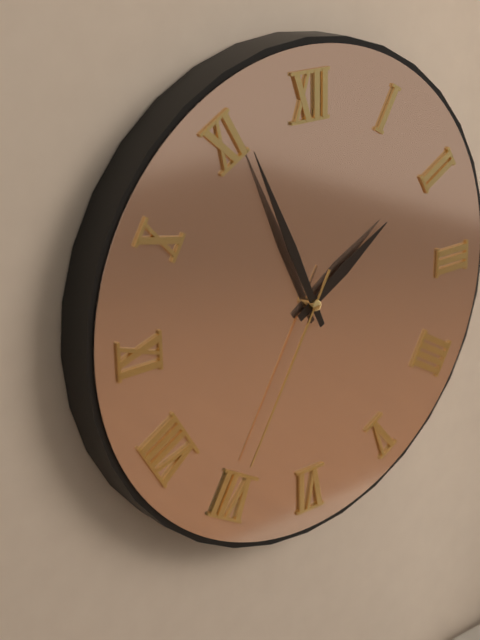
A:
1,56,35
